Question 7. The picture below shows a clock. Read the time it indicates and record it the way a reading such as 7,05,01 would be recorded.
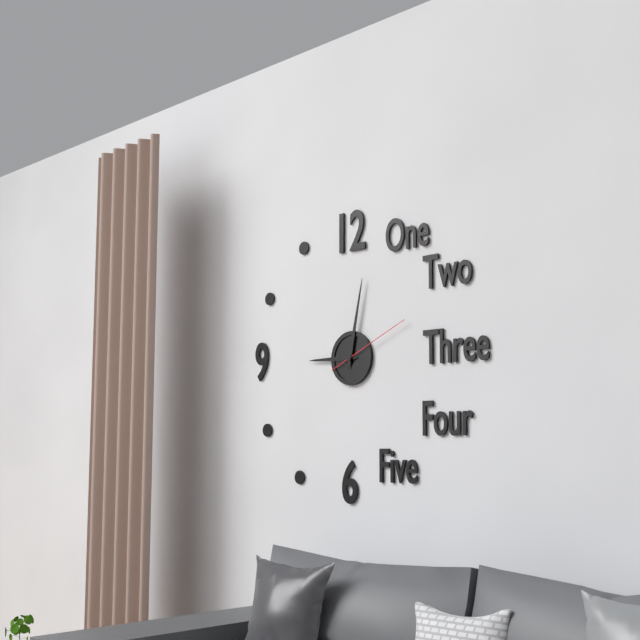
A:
9,02,11
